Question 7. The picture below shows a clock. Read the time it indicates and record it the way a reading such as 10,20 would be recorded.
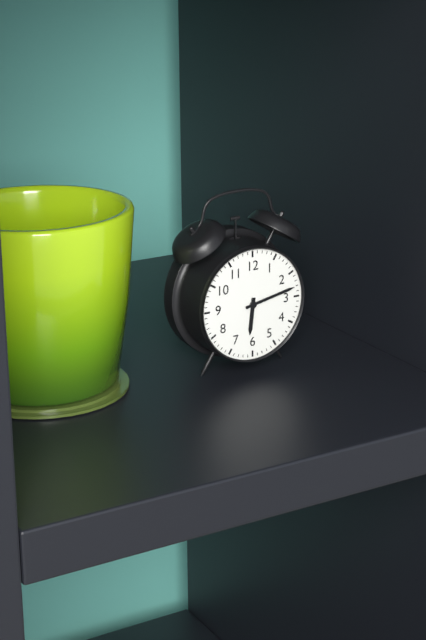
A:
6,13
